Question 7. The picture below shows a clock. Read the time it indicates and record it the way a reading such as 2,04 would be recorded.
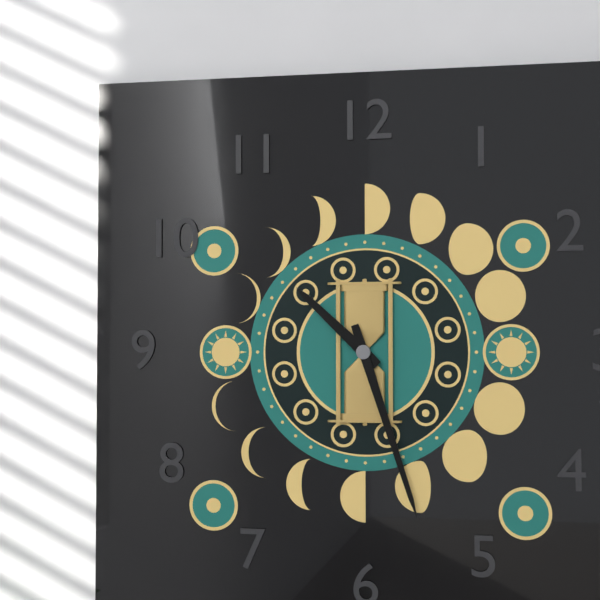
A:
10,27
